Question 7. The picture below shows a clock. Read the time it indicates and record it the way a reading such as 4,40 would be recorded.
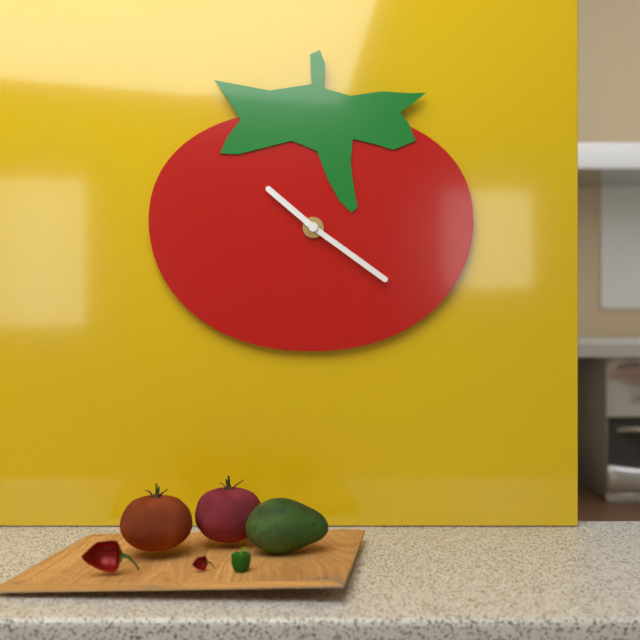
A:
10,21
